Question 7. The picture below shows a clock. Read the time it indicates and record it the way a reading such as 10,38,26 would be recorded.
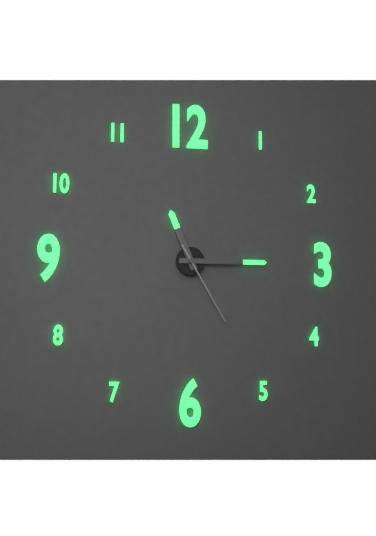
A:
11,15,25
